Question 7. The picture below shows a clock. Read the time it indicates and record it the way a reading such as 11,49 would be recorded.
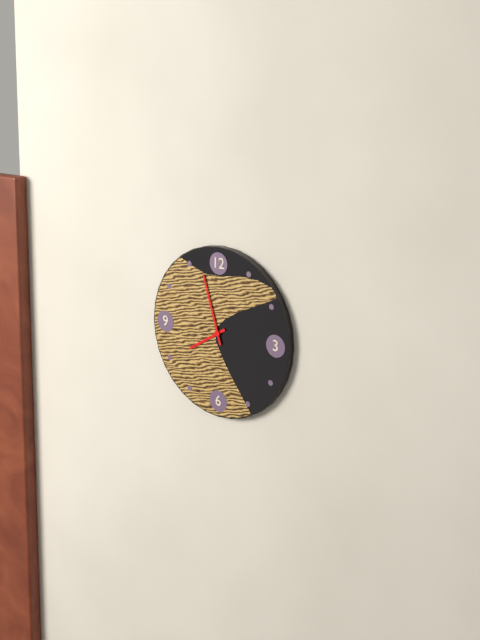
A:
7,57
